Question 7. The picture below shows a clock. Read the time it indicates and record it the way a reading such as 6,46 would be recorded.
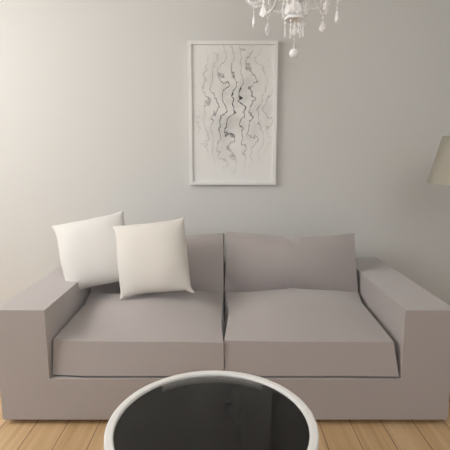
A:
9,08
